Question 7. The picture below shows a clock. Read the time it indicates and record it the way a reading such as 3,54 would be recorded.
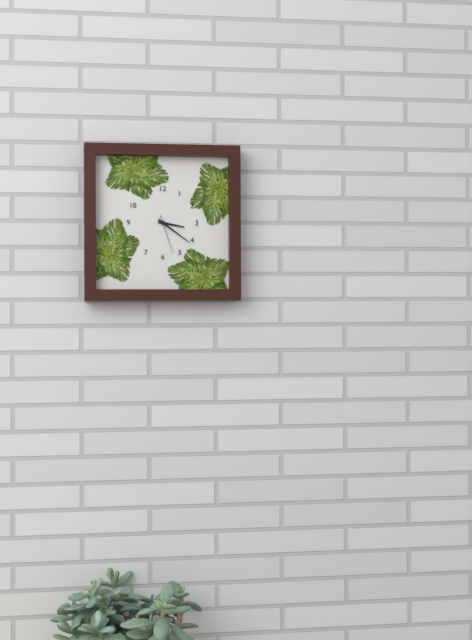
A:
3,21
